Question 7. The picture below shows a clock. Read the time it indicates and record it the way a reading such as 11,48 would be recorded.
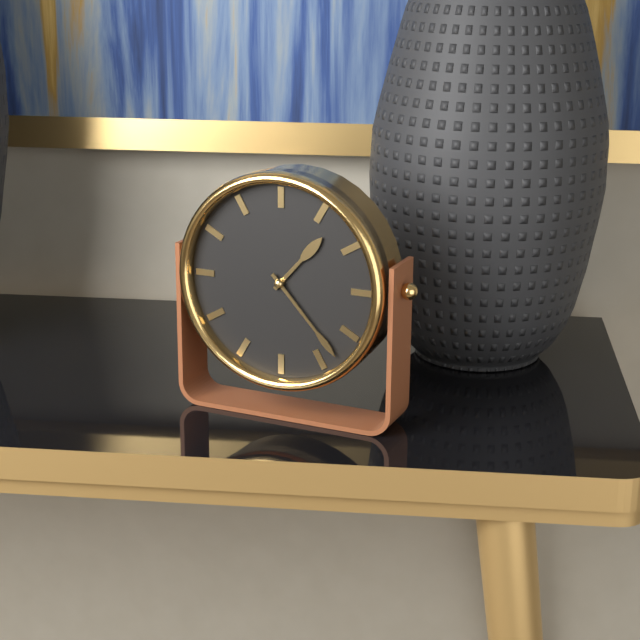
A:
1,23
